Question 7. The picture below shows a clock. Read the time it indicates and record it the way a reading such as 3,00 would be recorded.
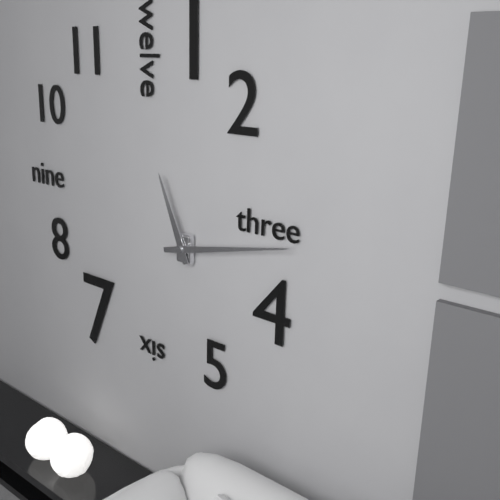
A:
11,13
